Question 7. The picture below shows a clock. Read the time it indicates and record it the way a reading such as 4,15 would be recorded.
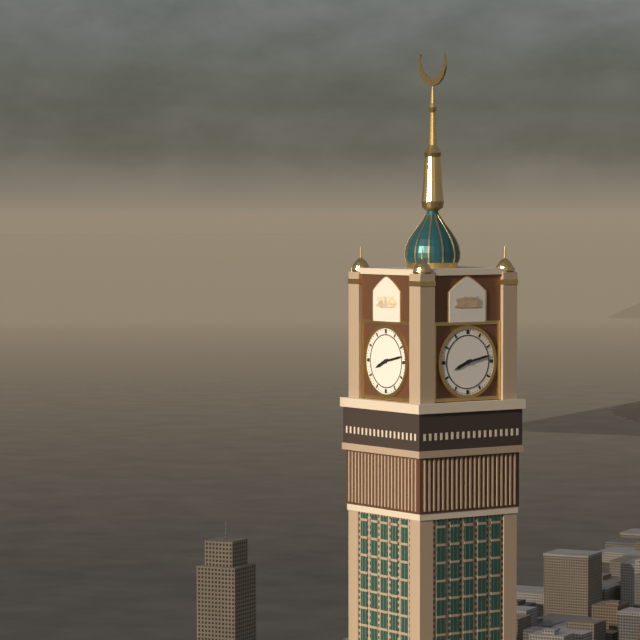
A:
8,13
